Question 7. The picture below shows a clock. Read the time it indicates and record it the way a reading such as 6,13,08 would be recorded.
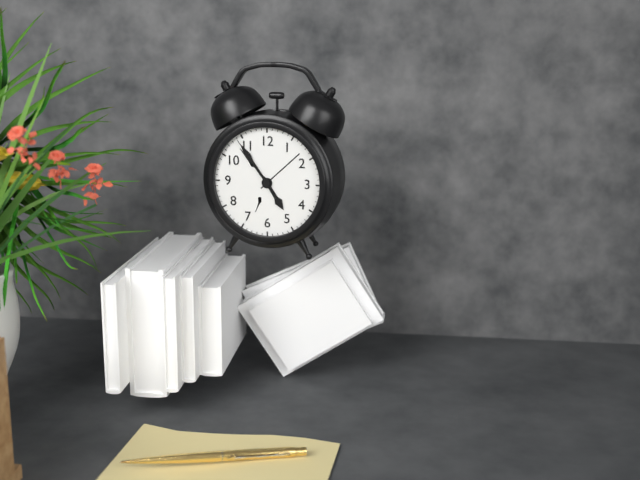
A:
4,54,54
